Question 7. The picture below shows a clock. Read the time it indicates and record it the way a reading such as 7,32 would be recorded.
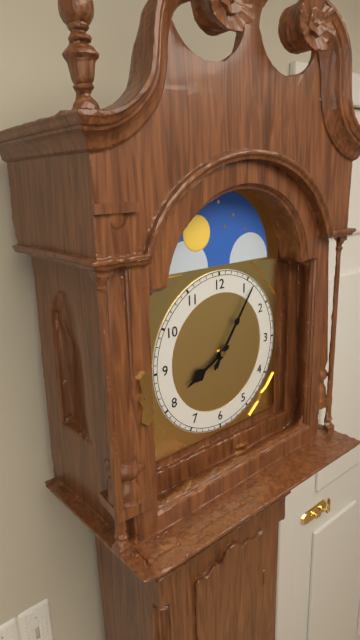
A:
8,06
